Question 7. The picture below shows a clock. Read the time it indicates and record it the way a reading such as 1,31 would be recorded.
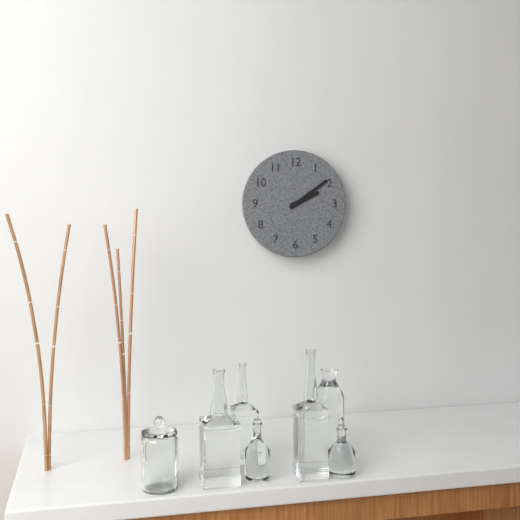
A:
2,09
